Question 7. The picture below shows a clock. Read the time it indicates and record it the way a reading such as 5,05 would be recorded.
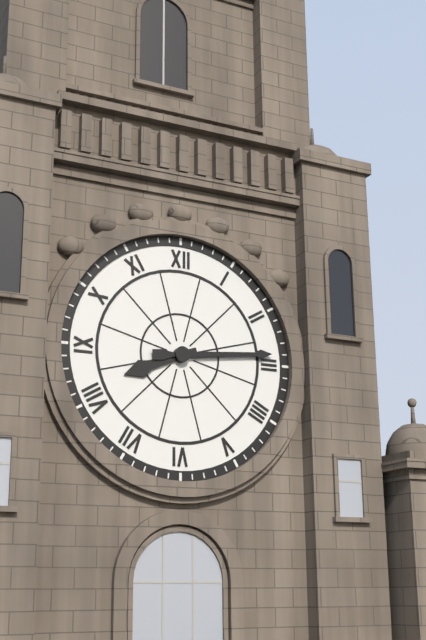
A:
8,14
